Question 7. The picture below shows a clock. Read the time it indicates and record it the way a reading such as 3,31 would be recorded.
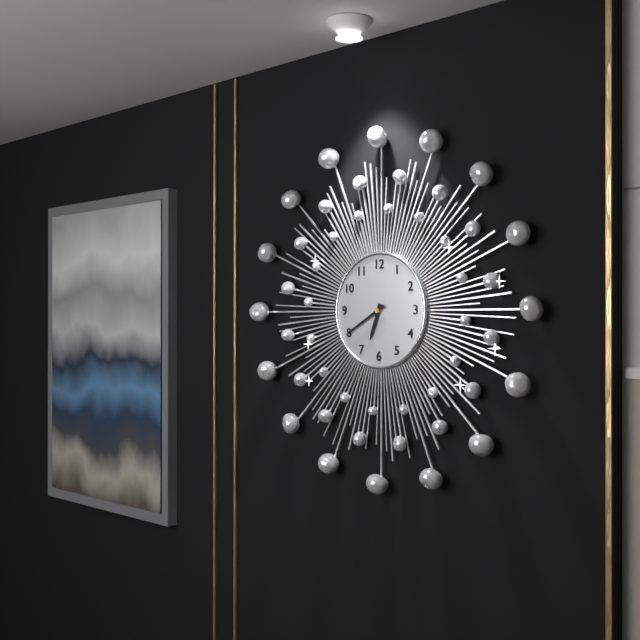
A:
6,40
